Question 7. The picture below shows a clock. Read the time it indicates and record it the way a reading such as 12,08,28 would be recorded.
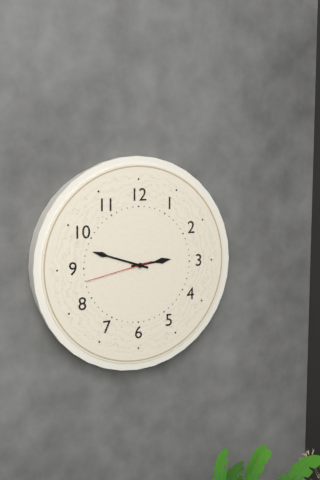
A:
2,48,43
